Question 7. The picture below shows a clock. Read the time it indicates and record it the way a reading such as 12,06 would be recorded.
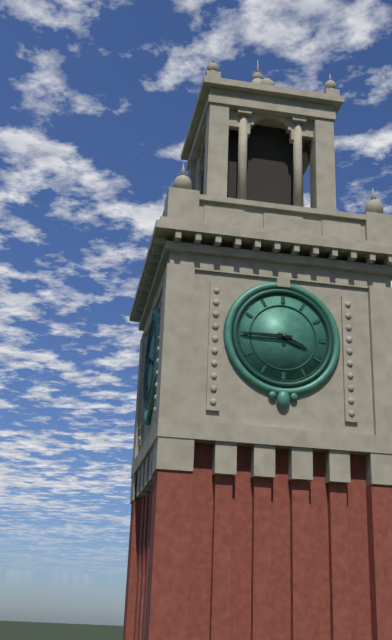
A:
3,45
